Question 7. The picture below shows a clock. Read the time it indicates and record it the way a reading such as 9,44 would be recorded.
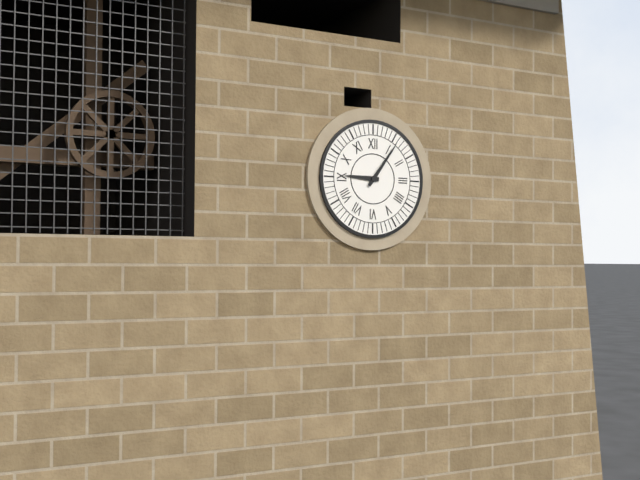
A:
9,06
